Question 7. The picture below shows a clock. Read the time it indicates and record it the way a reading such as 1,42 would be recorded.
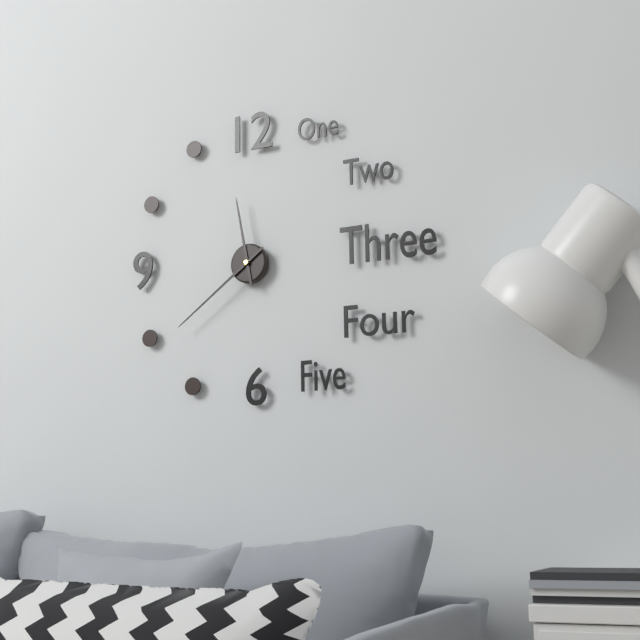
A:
11,39
